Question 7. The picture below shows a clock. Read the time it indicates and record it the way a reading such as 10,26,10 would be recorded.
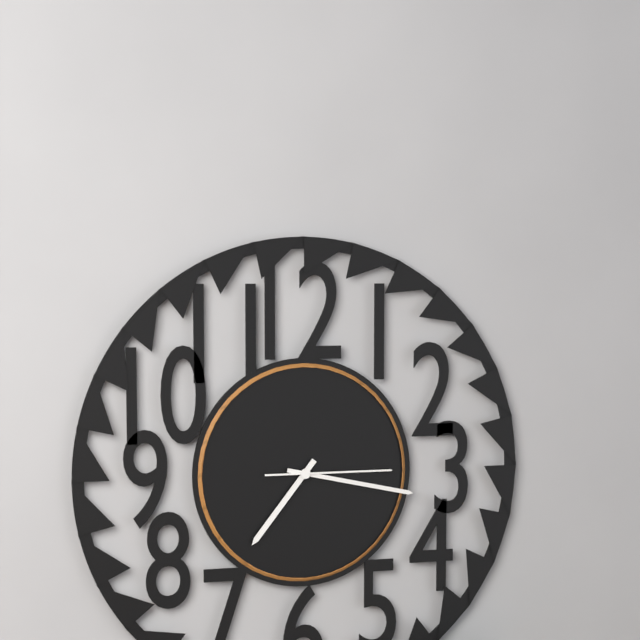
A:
7,17,15
